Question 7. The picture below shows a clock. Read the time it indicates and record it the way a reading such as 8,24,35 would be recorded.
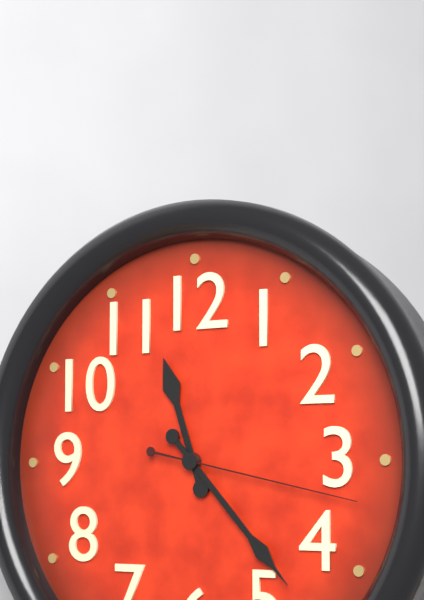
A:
11,23,17
